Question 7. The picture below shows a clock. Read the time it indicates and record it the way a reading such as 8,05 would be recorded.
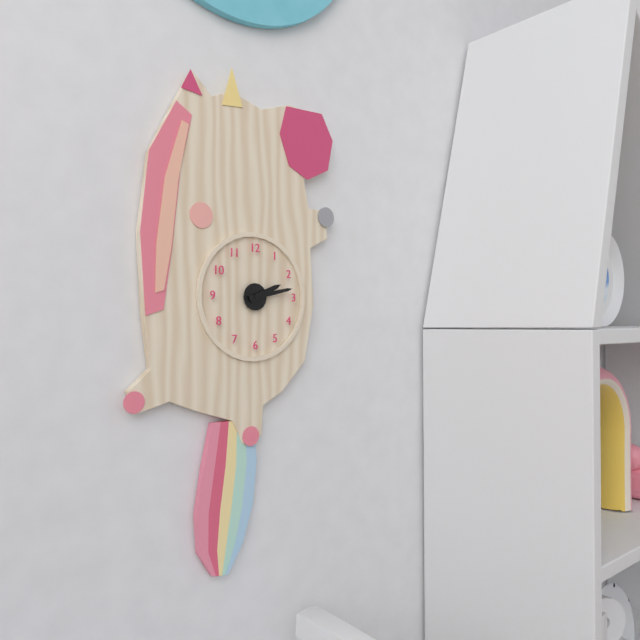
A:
2,13
